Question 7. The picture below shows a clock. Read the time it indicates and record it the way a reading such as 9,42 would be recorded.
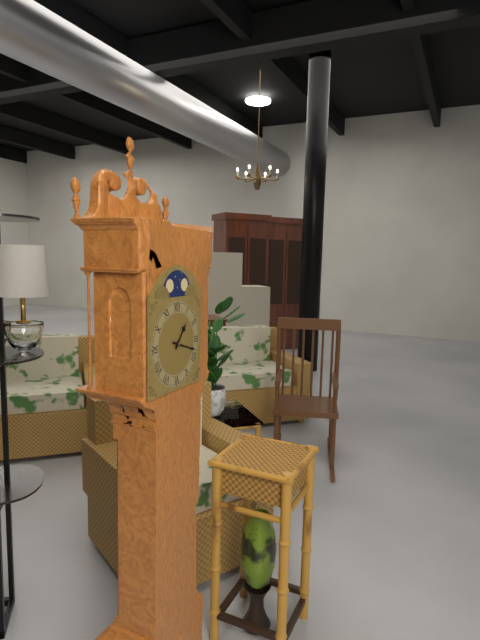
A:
1,18
